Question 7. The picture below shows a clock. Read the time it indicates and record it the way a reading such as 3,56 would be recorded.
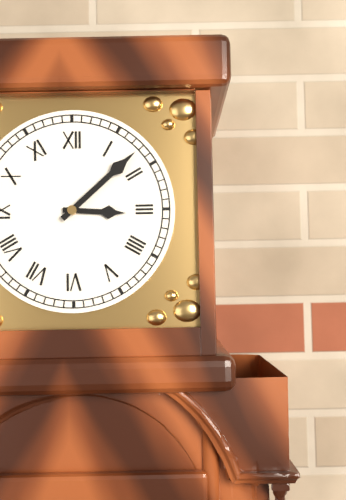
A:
3,08
